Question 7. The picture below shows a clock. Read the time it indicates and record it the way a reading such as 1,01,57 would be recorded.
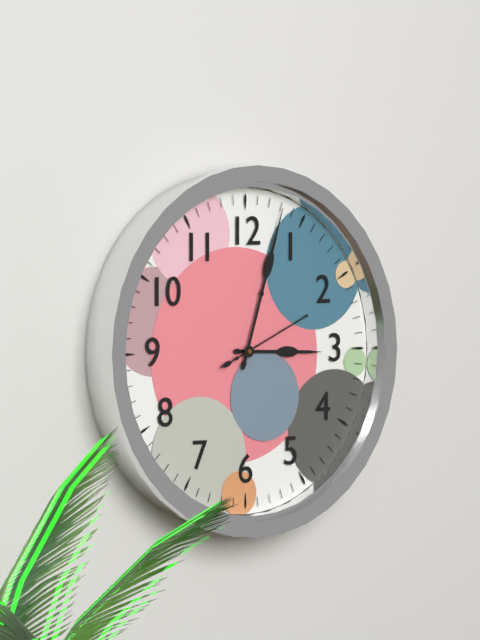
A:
3,03,11
